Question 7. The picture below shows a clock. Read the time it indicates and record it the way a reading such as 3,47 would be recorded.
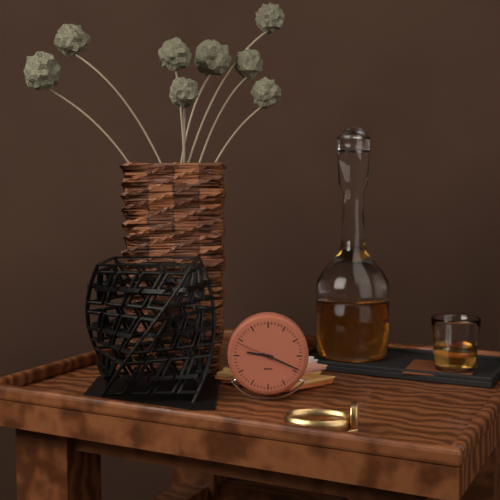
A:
9,19
